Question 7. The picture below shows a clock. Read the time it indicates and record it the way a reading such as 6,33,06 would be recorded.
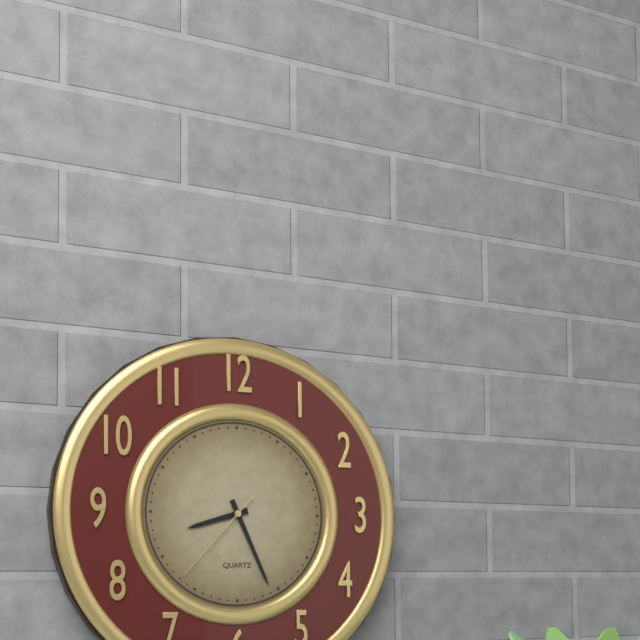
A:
8,26,37
